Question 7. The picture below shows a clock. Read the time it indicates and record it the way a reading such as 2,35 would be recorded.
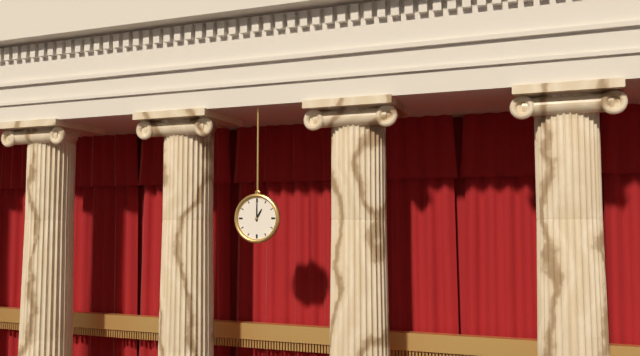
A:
1,00
